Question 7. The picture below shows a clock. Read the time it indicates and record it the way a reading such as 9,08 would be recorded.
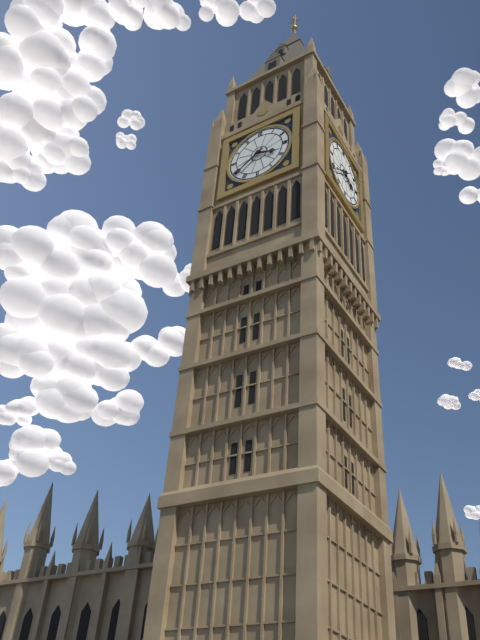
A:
3,39
